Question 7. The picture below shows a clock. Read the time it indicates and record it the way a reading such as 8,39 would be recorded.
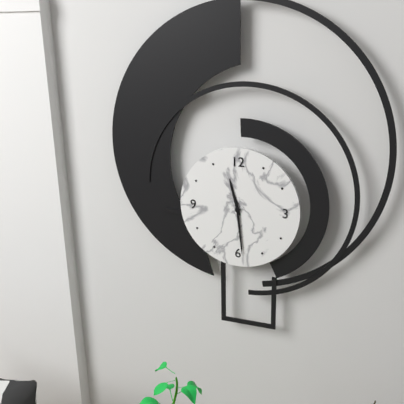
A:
11,29
